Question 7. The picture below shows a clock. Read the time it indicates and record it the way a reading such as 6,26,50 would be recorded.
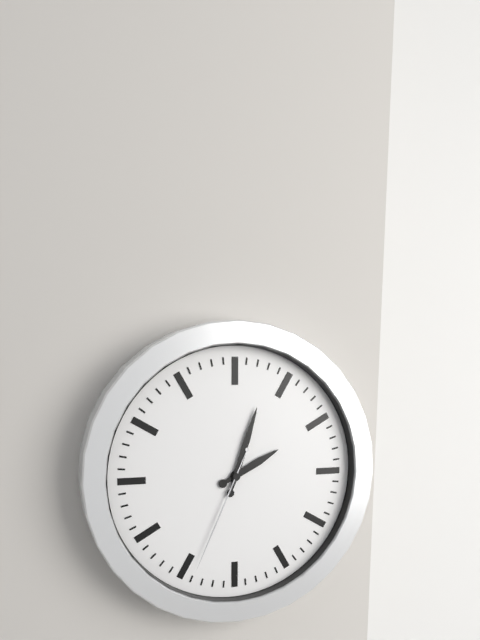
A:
2,03,34
